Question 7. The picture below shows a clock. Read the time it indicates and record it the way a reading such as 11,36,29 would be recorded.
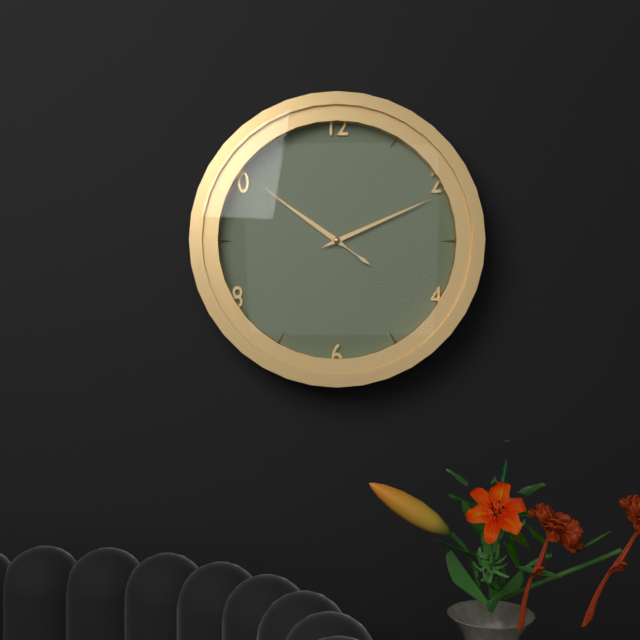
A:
10,11,51
